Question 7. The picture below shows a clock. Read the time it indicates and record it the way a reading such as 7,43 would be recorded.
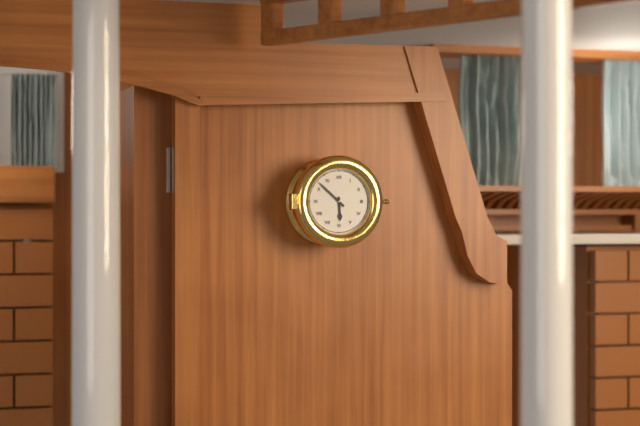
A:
5,52
